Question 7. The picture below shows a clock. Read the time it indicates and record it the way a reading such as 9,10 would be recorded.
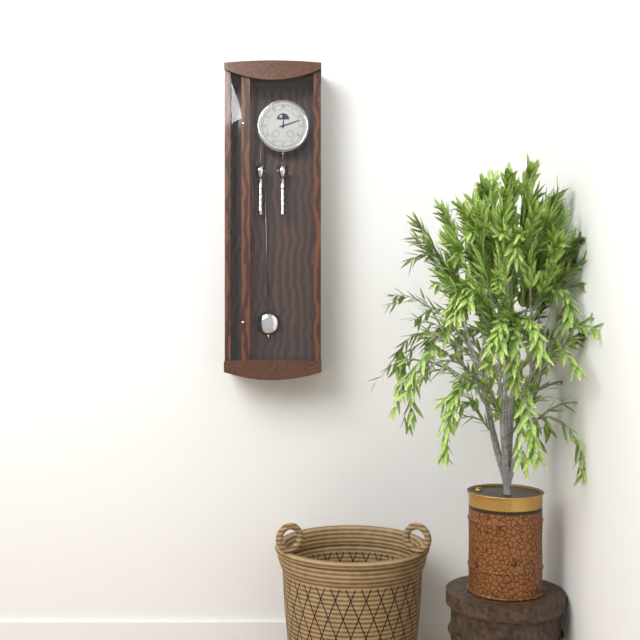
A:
12,12
